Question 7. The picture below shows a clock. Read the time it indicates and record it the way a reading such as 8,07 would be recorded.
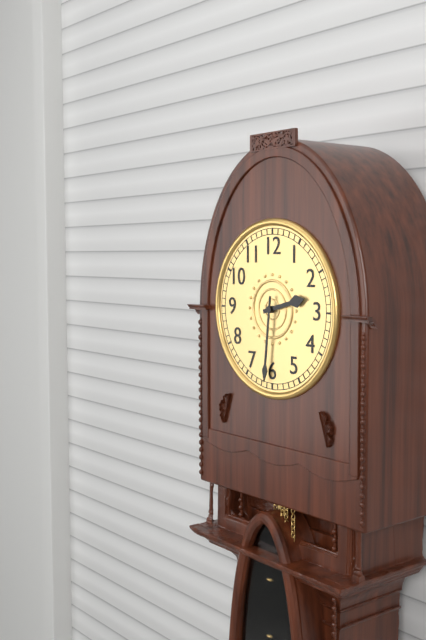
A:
2,31
